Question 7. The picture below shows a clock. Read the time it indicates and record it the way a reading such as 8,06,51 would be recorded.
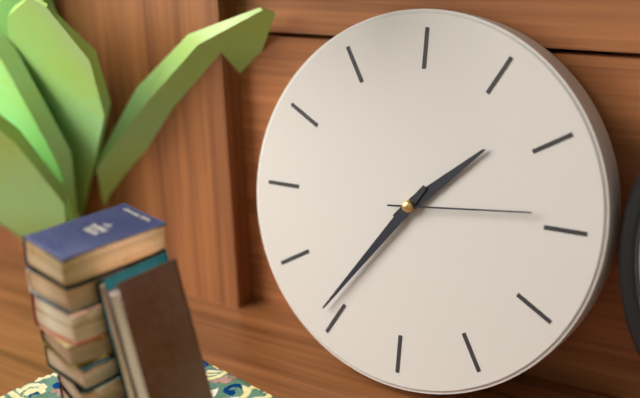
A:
1,36,14
